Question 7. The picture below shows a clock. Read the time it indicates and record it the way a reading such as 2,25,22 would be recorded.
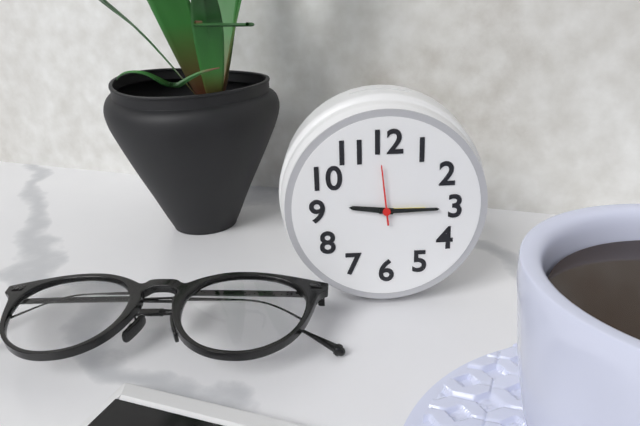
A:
9,15,59
